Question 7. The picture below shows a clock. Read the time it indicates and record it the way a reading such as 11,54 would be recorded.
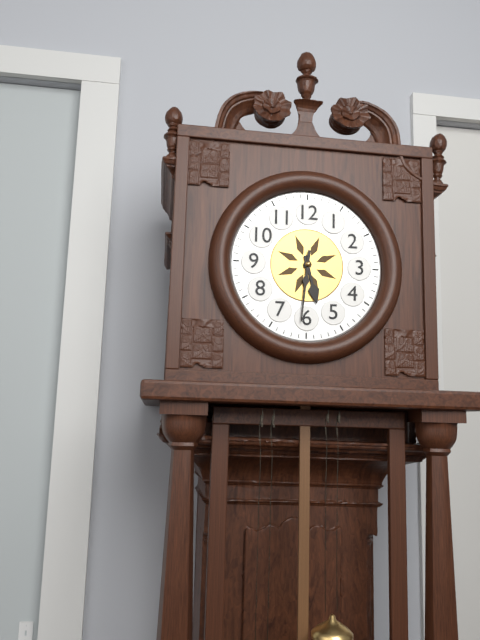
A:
5,31
